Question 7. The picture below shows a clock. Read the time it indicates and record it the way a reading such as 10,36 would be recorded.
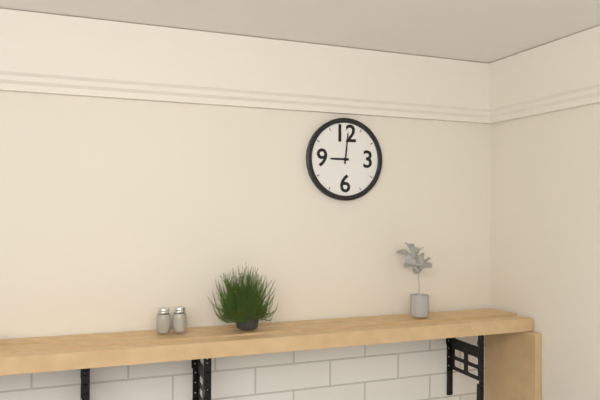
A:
9,01
